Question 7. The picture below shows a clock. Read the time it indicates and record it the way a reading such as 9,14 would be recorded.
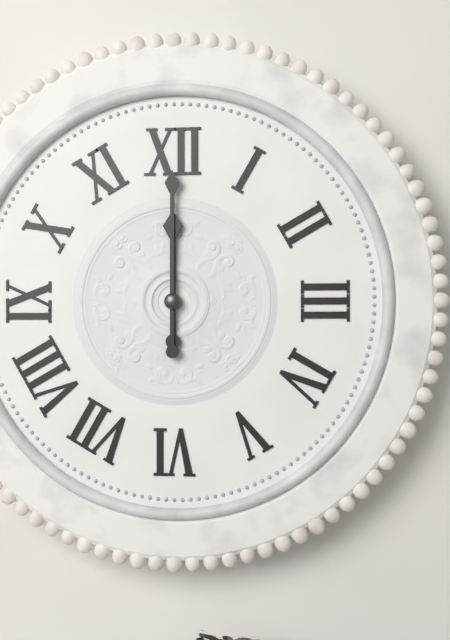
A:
12,00
